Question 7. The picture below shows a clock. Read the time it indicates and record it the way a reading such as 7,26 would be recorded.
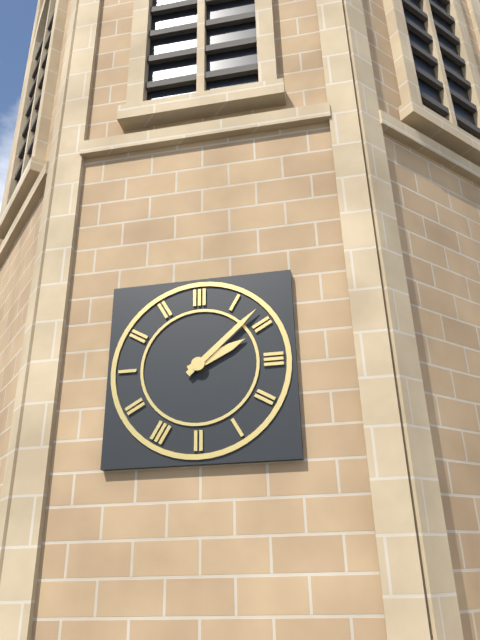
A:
2,08
